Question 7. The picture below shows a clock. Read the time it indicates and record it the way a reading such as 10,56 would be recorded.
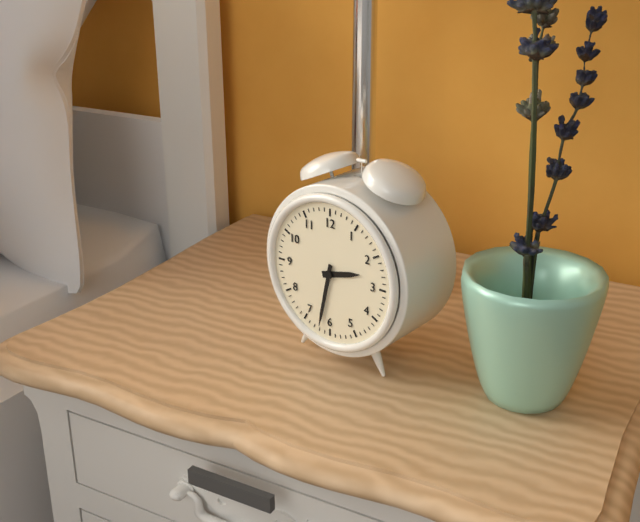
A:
2,32
